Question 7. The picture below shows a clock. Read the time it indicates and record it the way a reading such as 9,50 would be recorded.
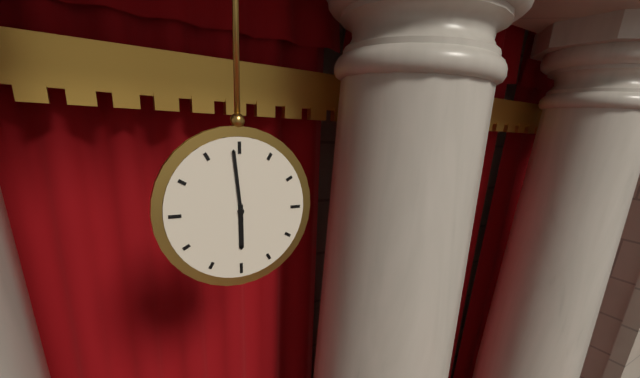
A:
5,59
